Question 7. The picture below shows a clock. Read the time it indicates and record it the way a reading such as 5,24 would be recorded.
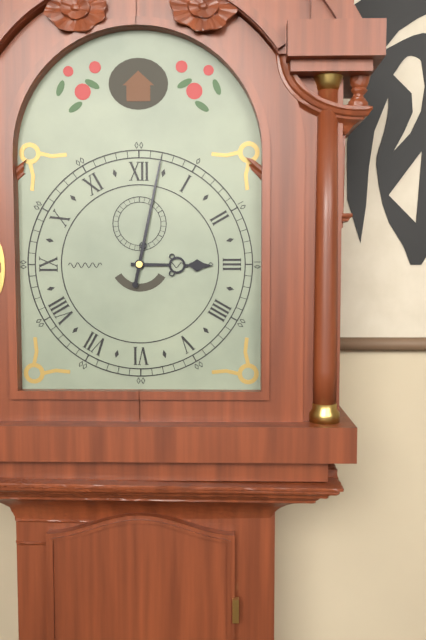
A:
3,02
